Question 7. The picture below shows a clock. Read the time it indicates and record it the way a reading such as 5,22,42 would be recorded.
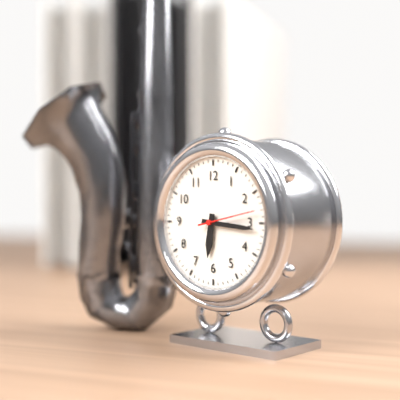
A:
6,16,13
